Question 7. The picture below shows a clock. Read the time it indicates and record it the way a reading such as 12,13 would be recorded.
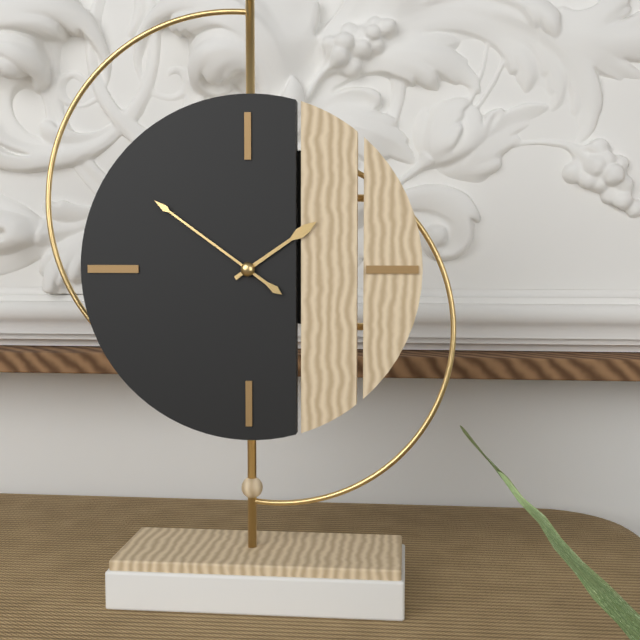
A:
1,51
